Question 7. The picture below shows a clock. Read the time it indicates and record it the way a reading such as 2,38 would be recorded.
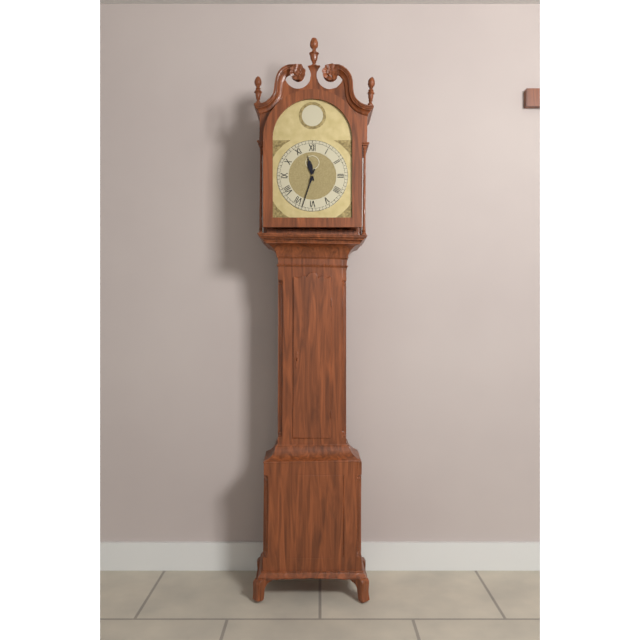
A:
11,33
